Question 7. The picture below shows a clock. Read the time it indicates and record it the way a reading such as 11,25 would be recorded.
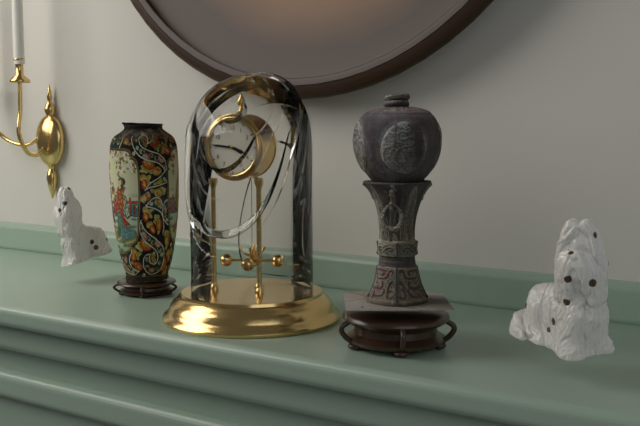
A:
3,46
